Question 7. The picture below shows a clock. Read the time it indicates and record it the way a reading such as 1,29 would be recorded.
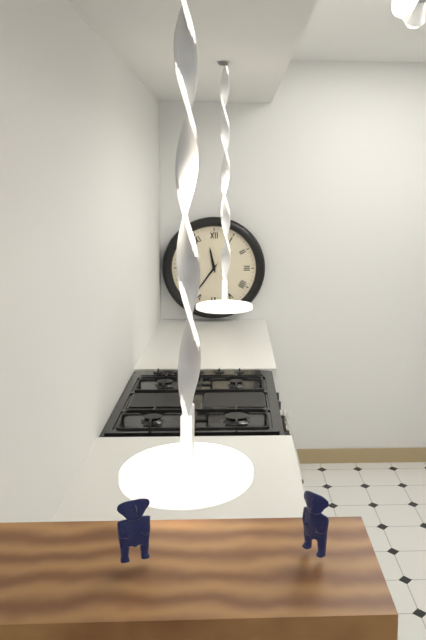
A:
11,36
